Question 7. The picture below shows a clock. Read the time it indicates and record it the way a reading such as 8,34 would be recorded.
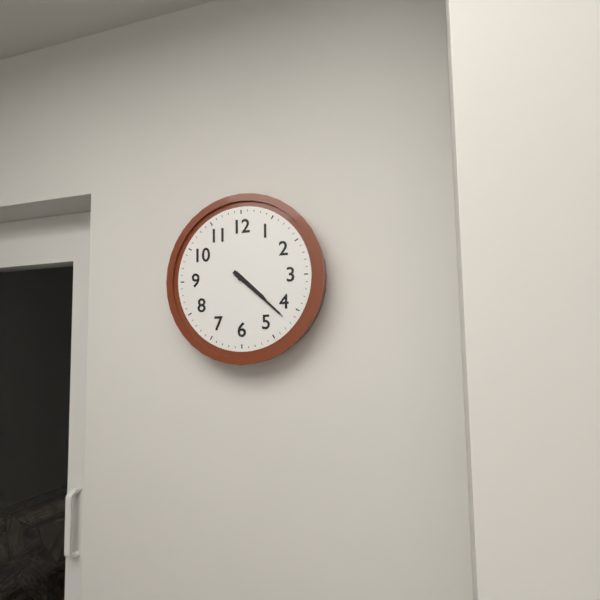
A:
4,22
